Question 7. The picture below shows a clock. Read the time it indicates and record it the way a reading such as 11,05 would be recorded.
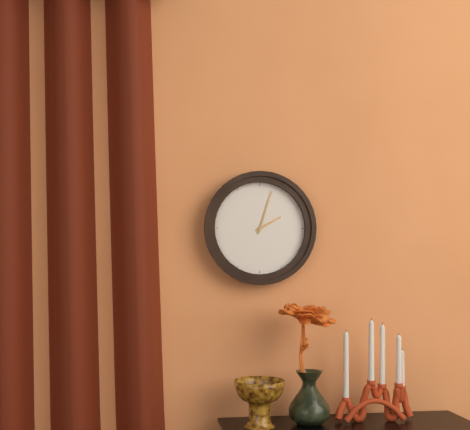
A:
2,03
